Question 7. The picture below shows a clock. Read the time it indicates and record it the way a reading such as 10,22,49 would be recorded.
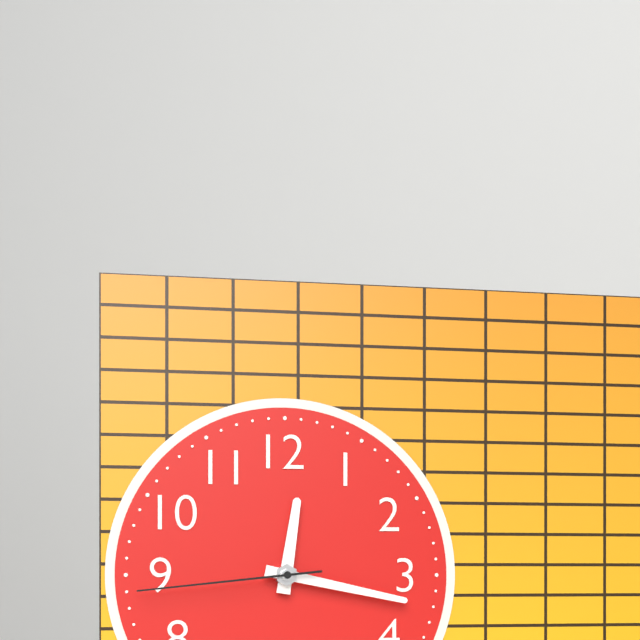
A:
12,17,44
